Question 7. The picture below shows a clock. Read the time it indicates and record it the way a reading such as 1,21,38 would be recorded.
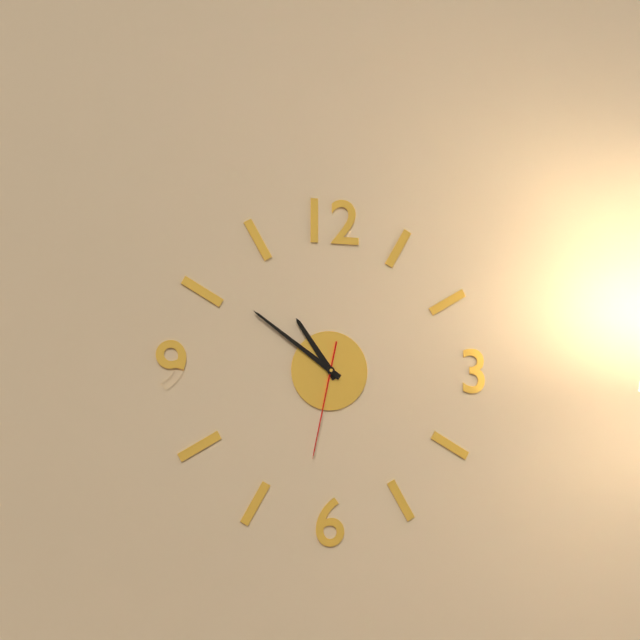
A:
10,51,32
